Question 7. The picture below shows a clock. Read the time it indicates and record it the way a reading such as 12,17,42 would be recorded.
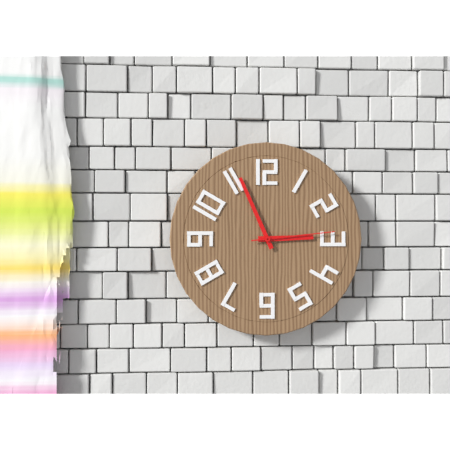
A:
2,56,14
